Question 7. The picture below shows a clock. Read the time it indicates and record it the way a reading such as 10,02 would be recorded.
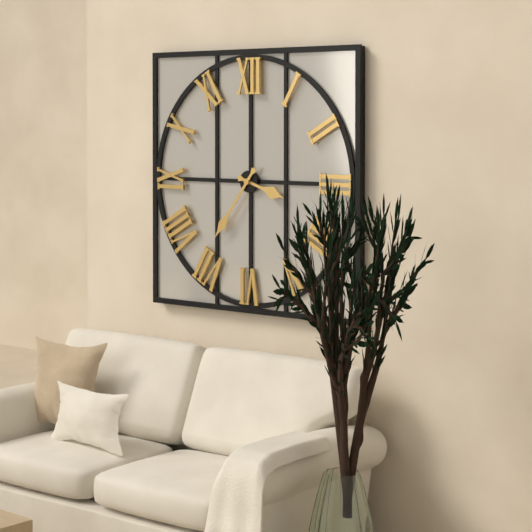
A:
3,36
